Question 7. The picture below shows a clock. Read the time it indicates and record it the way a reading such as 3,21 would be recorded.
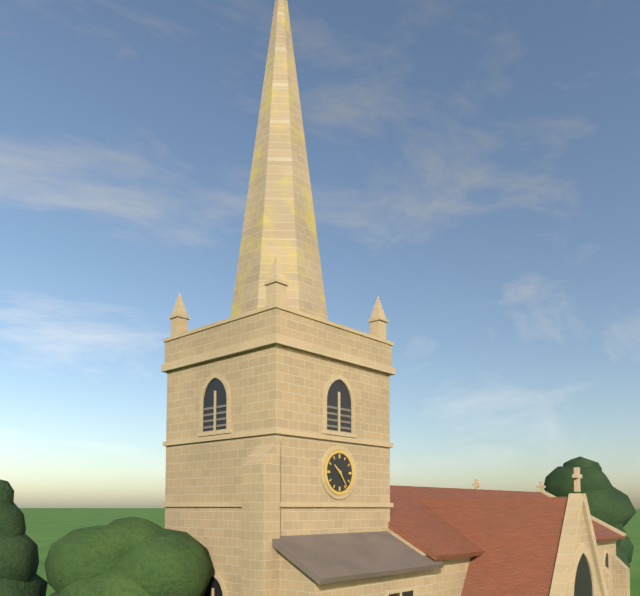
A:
10,24
